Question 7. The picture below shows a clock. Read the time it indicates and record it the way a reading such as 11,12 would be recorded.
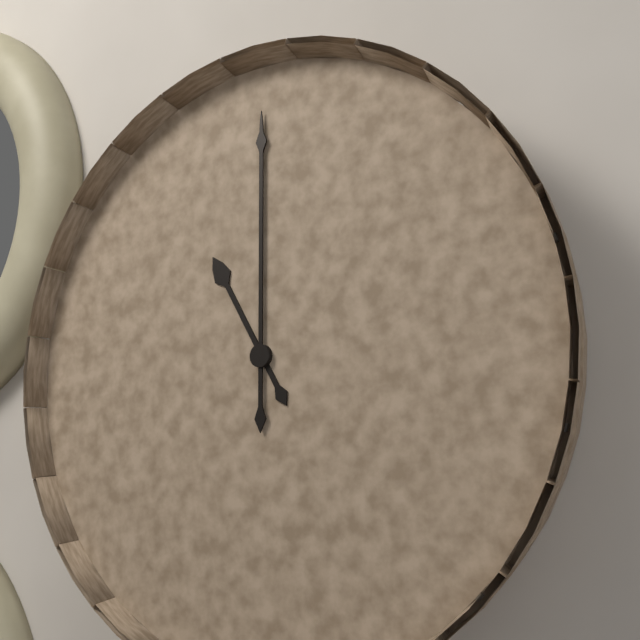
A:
11,00
